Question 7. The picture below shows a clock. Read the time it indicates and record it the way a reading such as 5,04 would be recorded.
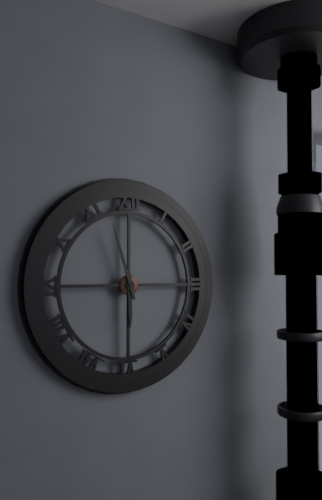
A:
5,57
